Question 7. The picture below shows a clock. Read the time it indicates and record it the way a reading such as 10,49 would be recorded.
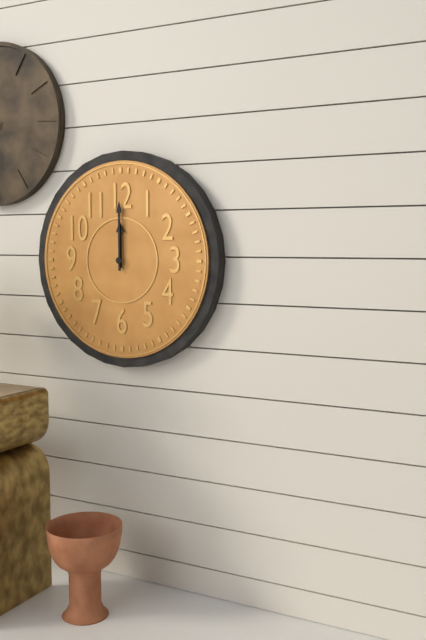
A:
12,00
